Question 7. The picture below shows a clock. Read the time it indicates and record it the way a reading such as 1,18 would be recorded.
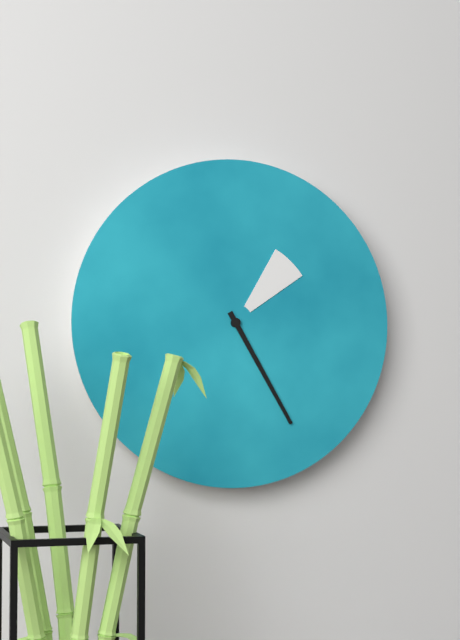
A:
1,25
